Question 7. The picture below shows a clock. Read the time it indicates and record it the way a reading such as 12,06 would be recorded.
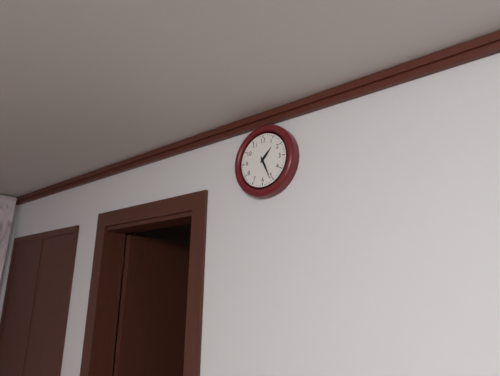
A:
1,26
